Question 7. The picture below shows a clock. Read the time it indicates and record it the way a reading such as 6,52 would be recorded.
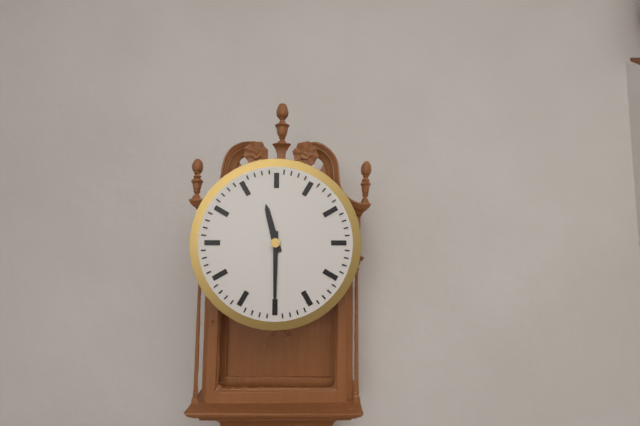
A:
11,30
